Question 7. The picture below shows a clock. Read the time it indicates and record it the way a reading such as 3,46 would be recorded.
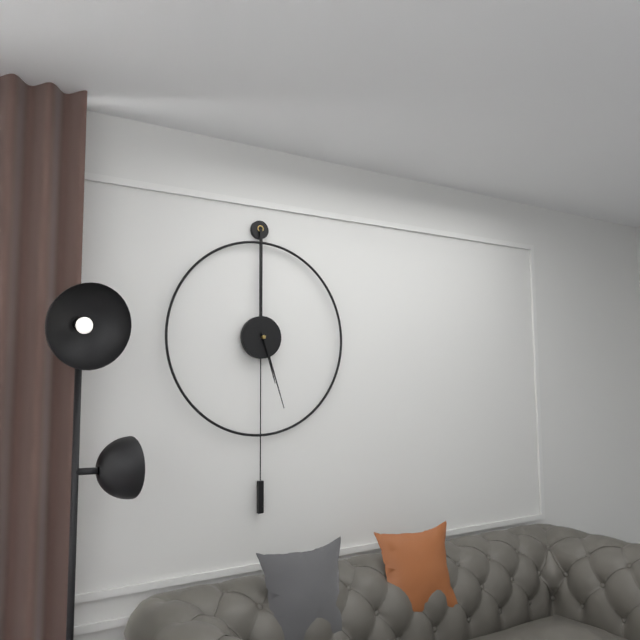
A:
5,27
